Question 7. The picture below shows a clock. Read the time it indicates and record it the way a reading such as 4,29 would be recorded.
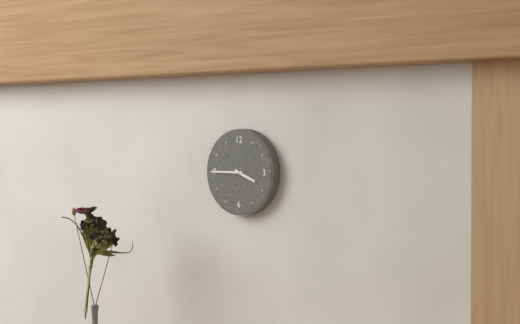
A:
3,45
